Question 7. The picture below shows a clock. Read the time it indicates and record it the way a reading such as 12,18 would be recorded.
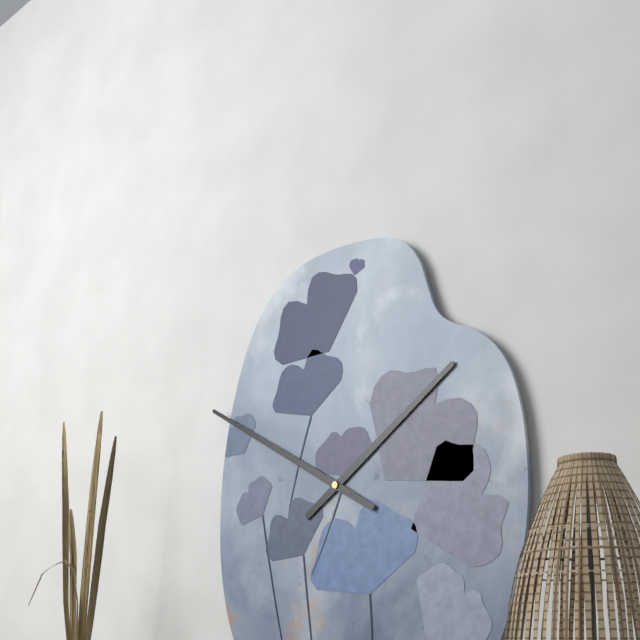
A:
1,50
